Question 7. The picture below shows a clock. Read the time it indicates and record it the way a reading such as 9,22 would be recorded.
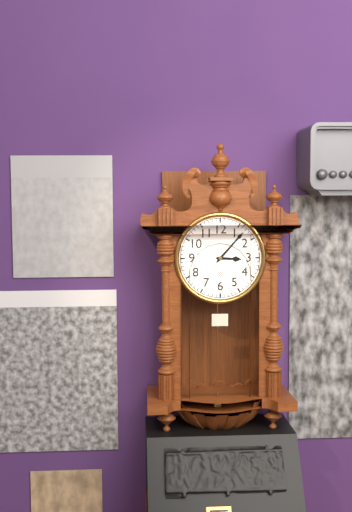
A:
3,07
